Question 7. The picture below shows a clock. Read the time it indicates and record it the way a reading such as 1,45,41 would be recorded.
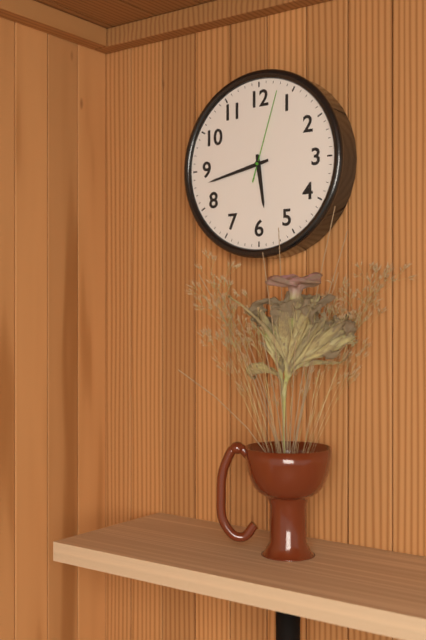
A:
5,43,03
